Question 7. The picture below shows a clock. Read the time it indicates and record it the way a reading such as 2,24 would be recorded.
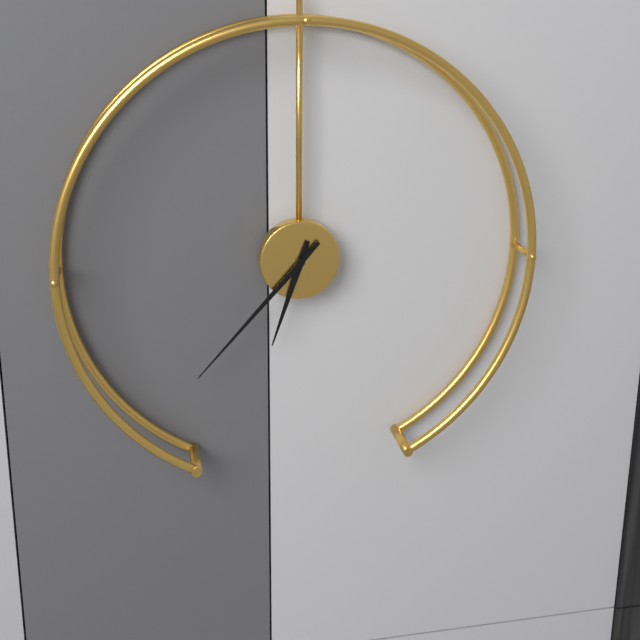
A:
6,37
